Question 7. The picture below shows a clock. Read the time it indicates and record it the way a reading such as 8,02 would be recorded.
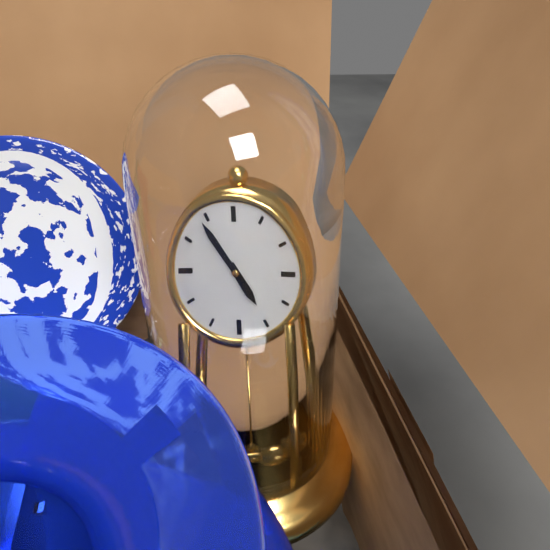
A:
4,54
